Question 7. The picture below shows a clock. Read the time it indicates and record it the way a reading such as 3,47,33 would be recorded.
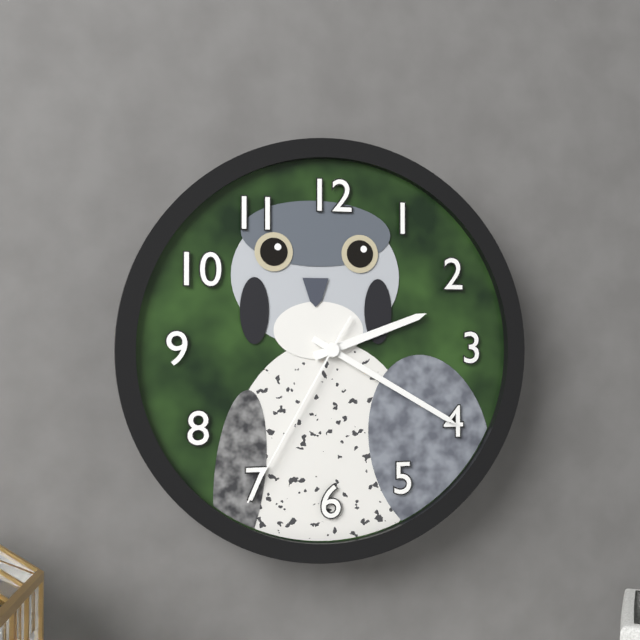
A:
2,20,35
